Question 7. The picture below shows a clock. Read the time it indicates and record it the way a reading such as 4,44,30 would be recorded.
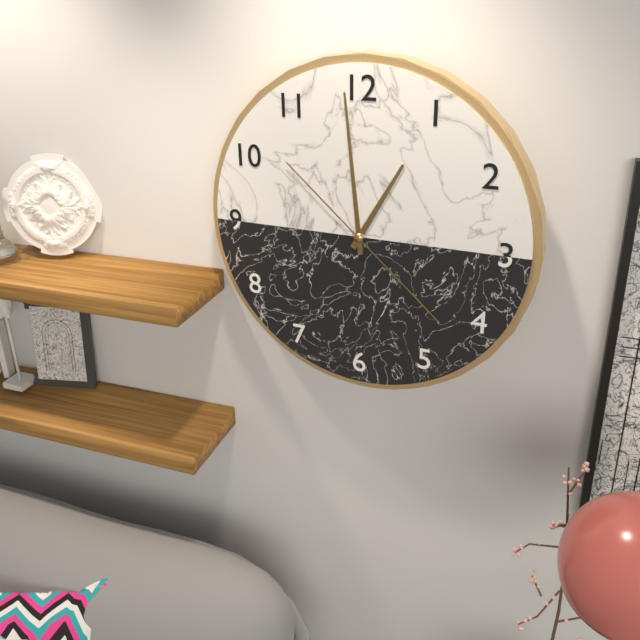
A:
12,59,22
